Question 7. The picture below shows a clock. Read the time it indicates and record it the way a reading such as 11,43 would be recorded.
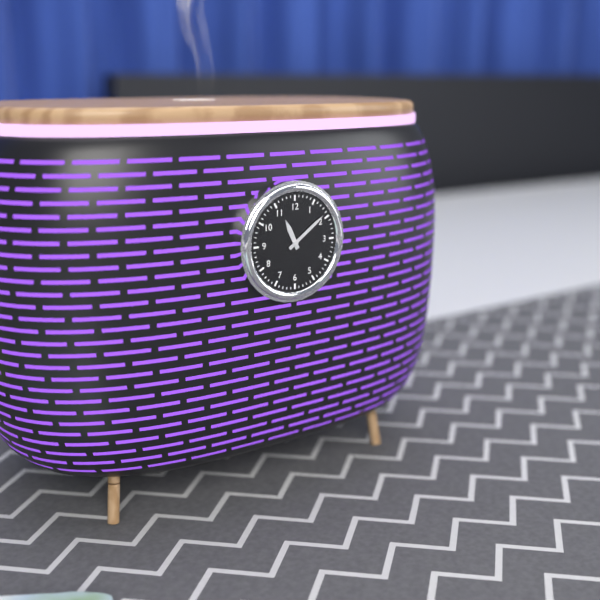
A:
11,09
